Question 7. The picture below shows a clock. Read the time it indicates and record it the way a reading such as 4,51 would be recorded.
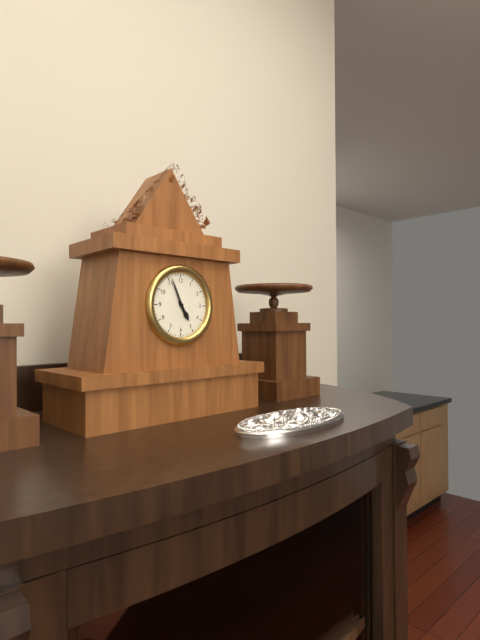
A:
4,56
